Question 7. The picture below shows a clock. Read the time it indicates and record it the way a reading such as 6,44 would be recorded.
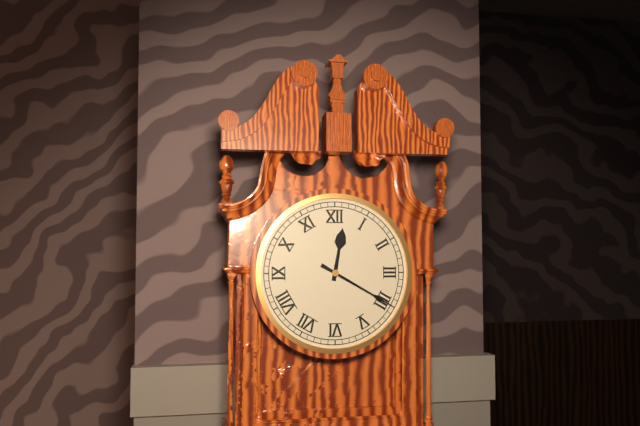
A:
12,20
